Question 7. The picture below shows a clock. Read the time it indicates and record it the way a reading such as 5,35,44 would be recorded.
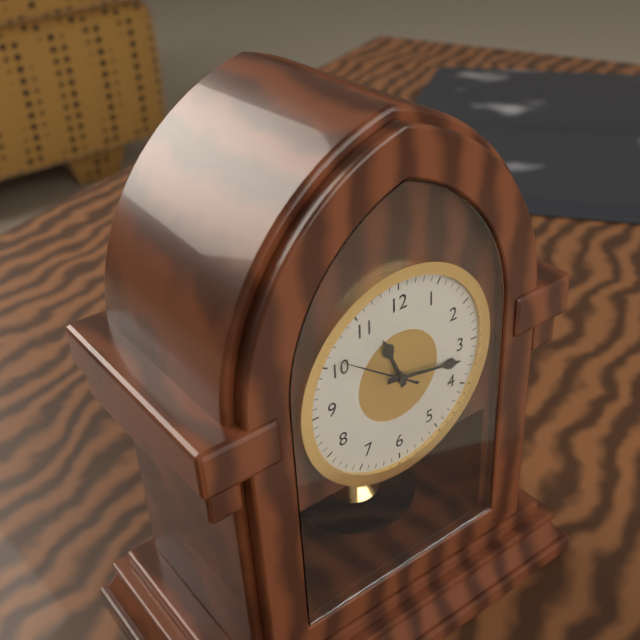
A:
11,17,51
